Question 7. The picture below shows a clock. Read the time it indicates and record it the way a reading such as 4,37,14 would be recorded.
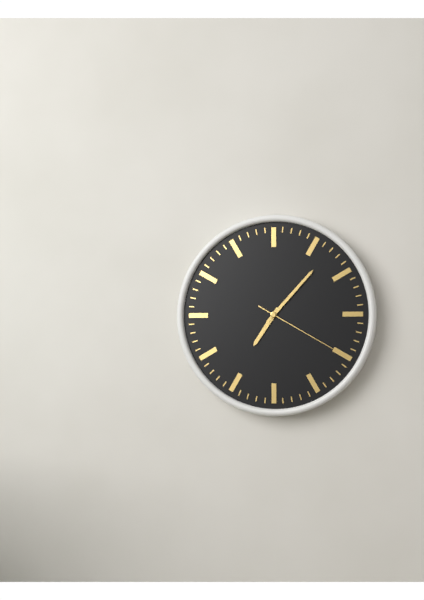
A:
7,07,20
